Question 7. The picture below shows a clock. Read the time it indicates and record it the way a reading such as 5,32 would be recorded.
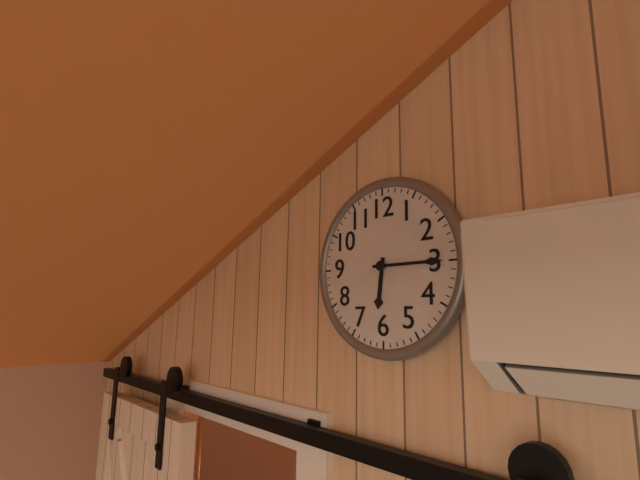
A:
6,15
